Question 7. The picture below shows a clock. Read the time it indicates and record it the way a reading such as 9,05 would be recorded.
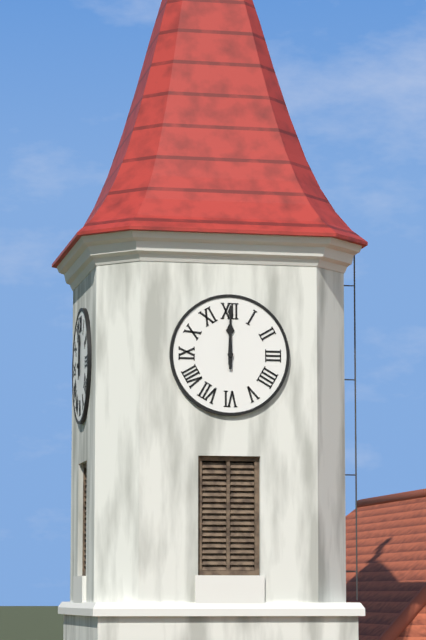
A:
12,00
